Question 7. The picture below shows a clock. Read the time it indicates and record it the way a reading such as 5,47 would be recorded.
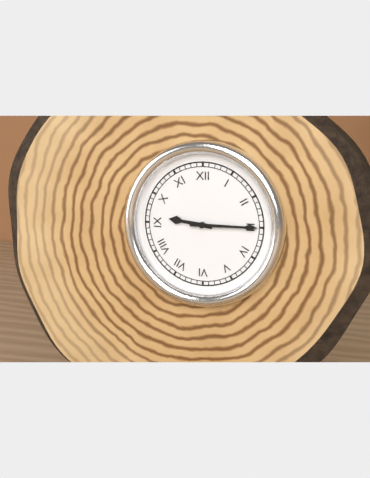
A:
9,15
